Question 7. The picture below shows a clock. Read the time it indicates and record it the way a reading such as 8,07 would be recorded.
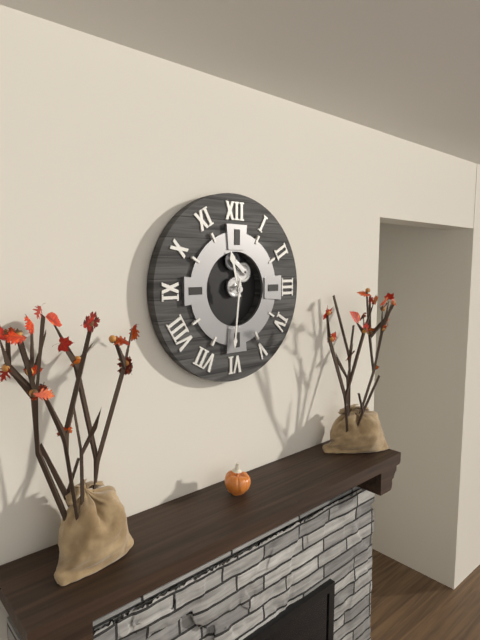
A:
11,31
